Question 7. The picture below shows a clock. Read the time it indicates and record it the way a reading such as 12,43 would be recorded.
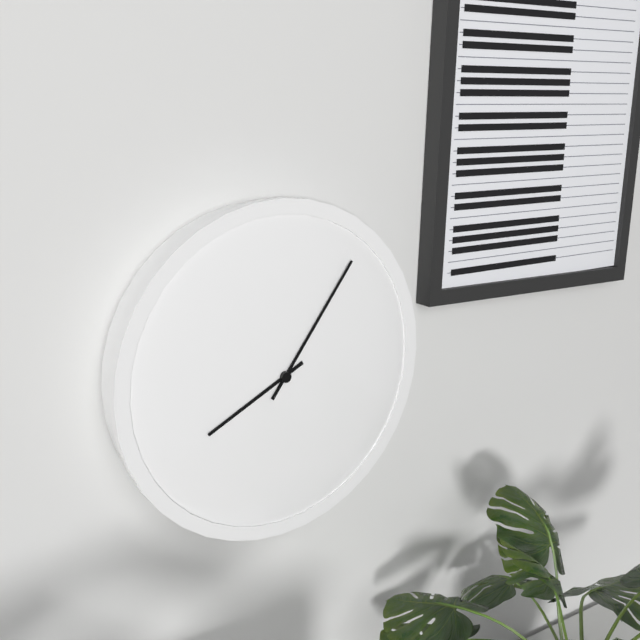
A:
8,06
